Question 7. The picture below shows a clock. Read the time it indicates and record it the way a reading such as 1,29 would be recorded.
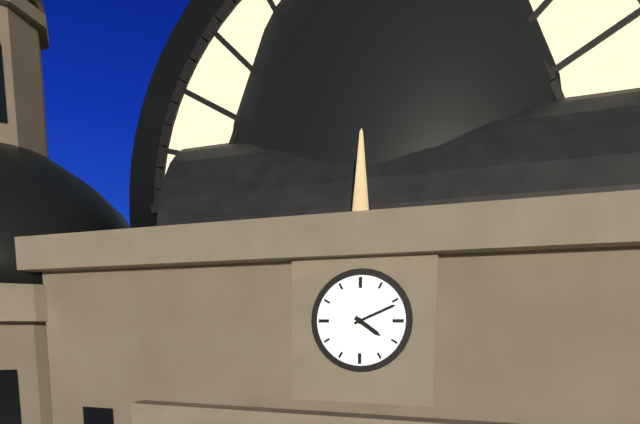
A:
4,11
